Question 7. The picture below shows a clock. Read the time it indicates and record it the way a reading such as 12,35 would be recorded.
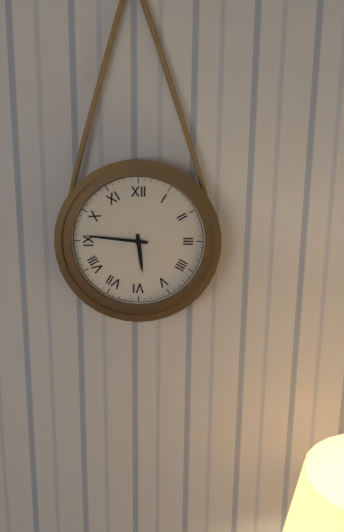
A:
5,46
